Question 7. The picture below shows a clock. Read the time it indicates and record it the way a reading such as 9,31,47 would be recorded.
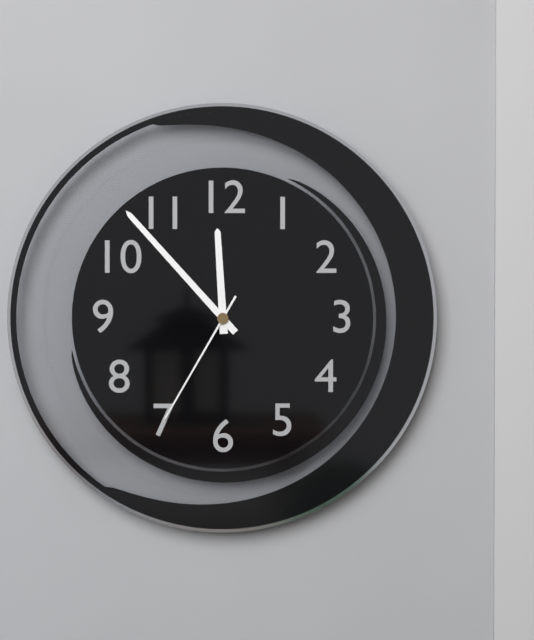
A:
11,53,35
